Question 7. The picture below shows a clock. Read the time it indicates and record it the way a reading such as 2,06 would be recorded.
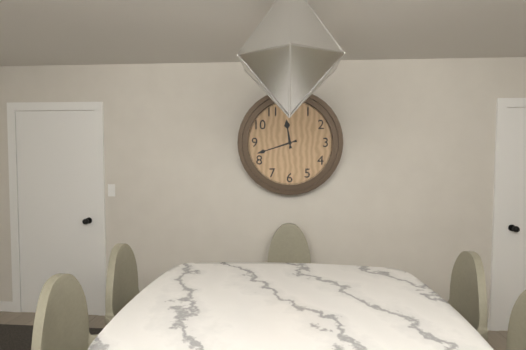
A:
11,42
